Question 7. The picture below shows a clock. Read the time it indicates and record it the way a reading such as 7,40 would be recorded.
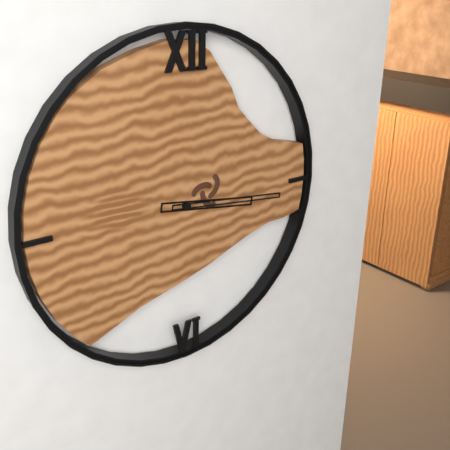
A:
3,16
